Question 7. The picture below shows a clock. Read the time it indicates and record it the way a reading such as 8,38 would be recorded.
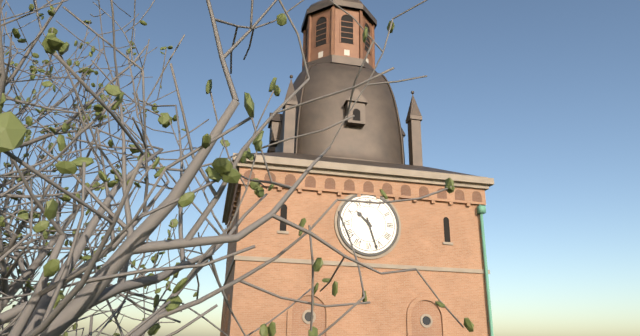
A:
10,27
